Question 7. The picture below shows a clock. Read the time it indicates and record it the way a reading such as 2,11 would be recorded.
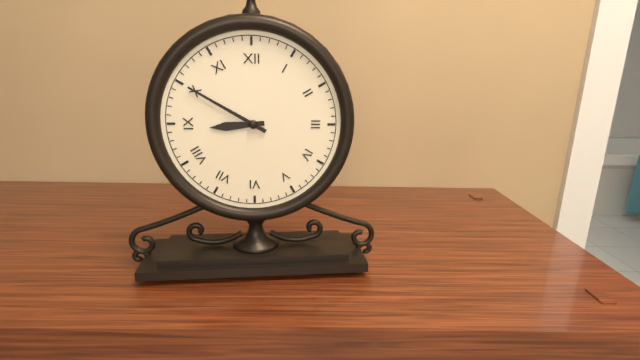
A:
8,50
